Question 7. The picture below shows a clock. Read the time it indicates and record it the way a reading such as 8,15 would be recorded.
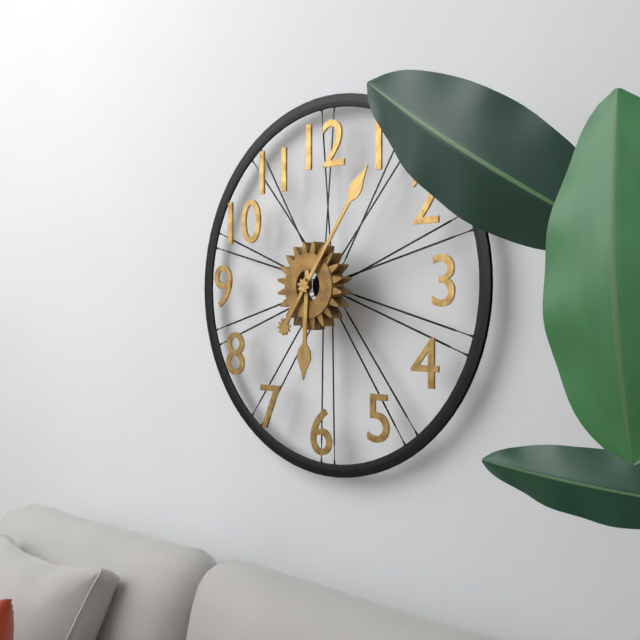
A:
6,06
